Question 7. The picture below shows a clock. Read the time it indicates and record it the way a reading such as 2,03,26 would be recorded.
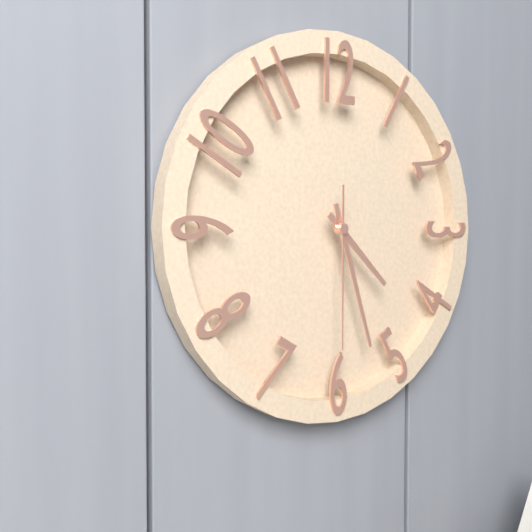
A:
4,27,30
